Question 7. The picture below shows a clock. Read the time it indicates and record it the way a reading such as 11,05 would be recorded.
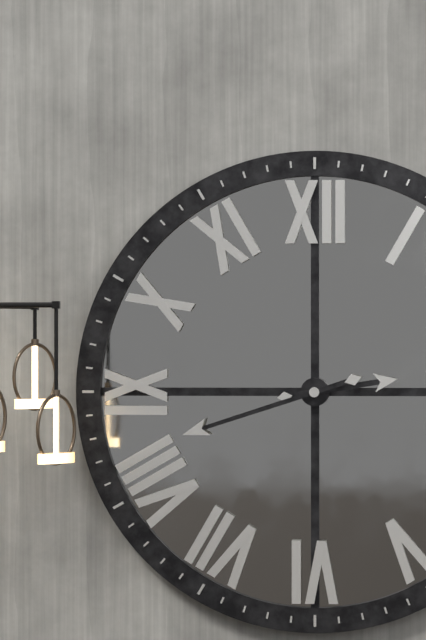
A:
2,42
